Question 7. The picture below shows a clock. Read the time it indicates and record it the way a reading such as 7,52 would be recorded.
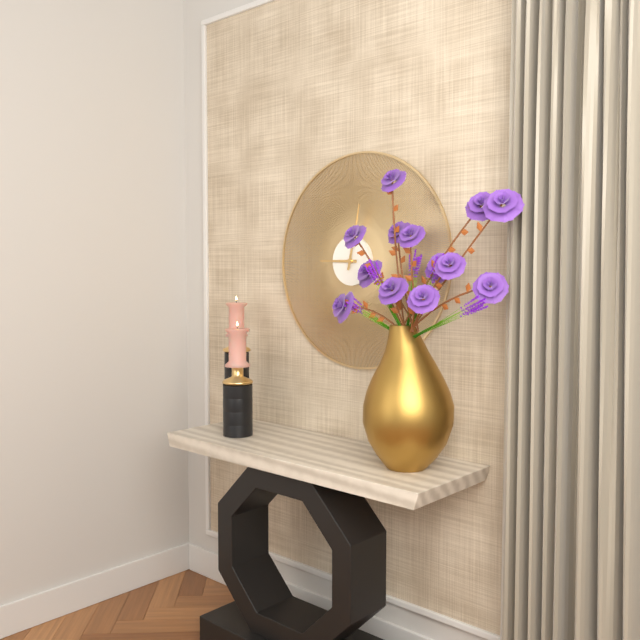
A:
9,02
